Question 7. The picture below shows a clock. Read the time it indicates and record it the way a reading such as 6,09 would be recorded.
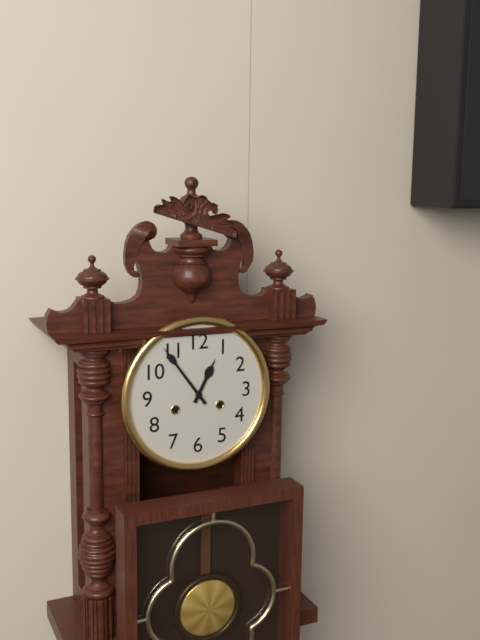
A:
12,54
